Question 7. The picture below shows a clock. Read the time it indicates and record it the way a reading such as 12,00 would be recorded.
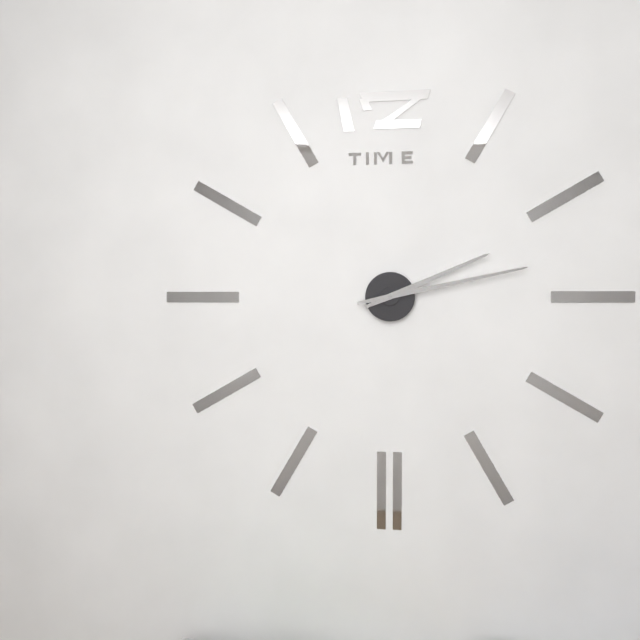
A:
2,13
